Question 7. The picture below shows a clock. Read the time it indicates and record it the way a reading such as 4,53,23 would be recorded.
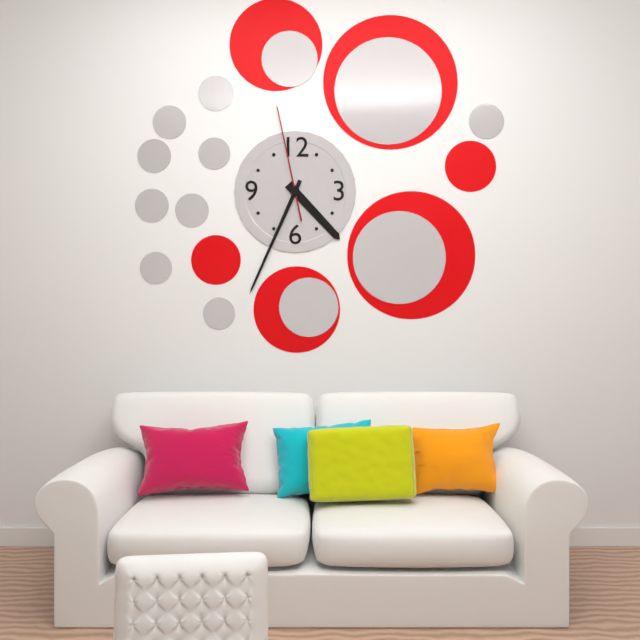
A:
4,34,58
